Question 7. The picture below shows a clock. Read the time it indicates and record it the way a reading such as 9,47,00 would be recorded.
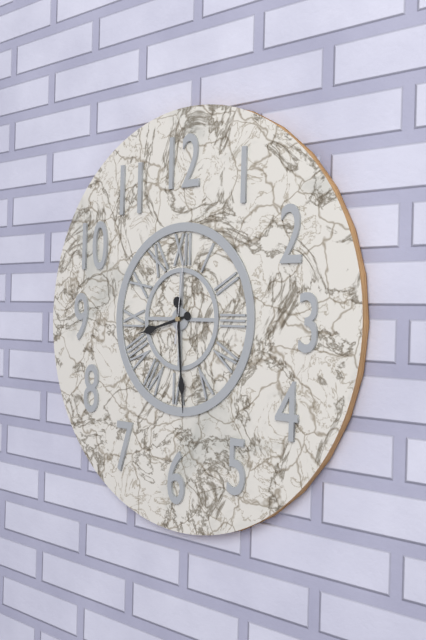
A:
8,29,01
